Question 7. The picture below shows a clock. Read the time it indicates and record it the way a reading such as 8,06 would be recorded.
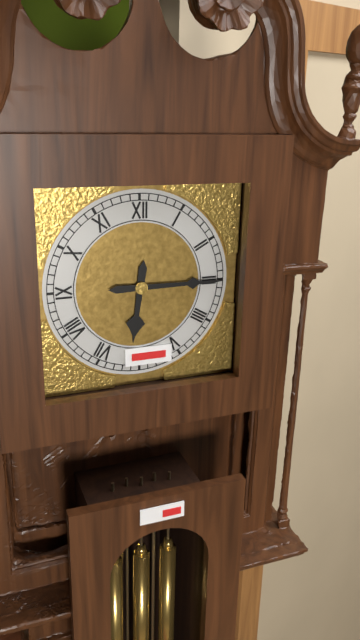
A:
6,15
